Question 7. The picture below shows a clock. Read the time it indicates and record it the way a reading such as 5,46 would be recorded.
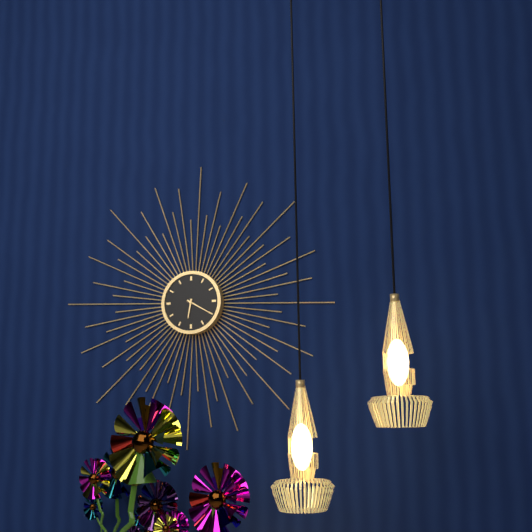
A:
6,20
